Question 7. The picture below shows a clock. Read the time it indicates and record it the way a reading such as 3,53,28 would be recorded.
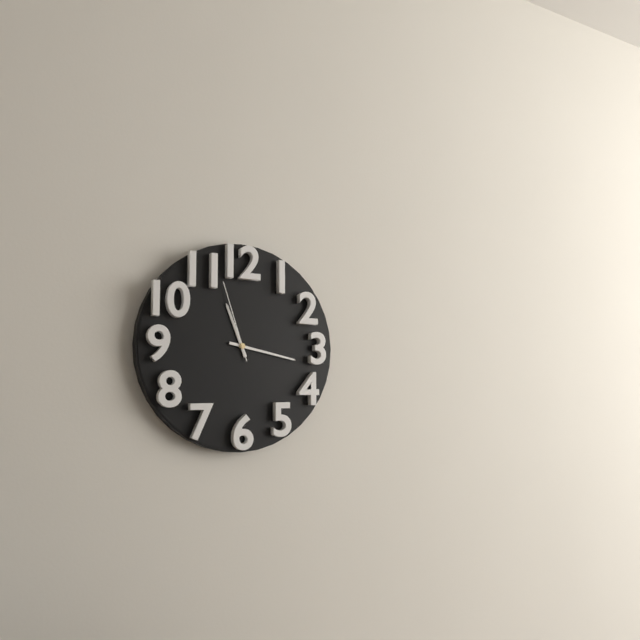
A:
11,17,57
